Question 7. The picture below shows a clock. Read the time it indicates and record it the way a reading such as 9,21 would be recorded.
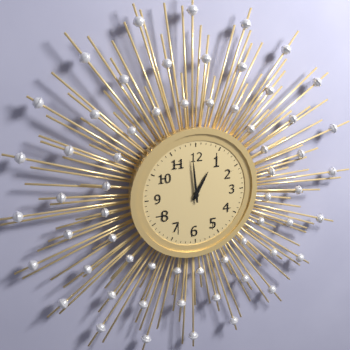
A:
12,59
